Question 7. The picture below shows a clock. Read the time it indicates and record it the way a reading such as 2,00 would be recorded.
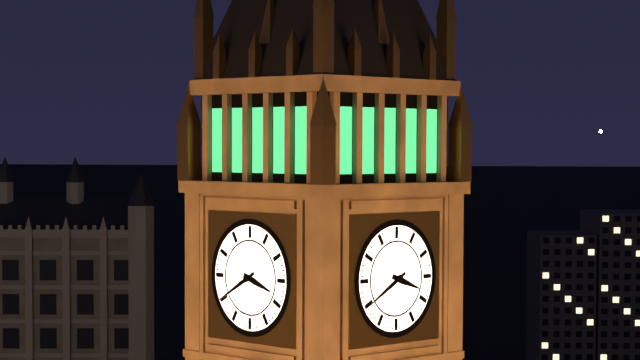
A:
3,40
